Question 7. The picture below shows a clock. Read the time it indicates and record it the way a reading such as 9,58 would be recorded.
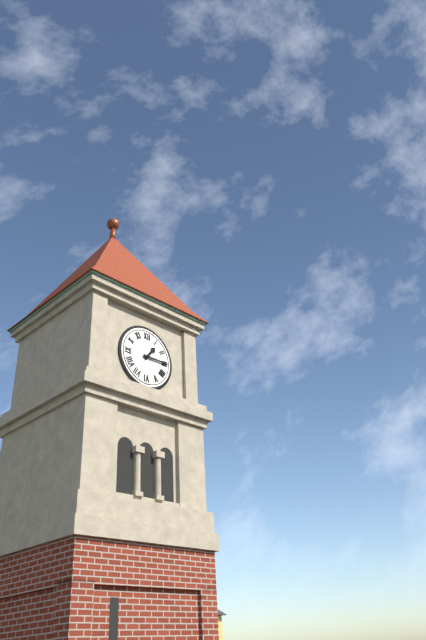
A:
1,15
